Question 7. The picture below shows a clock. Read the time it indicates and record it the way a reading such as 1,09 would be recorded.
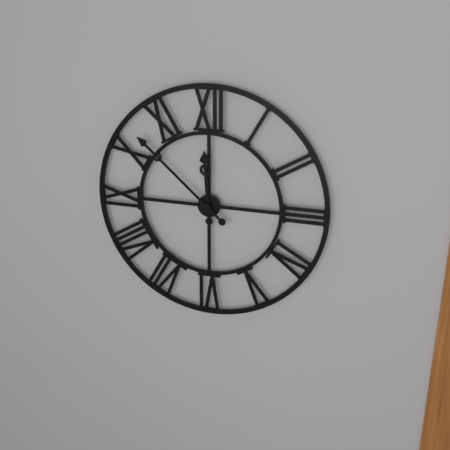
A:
11,52
